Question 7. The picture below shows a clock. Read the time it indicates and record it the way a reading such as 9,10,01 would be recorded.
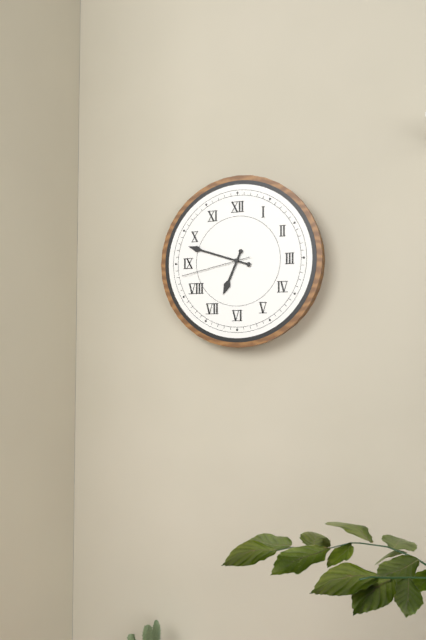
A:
6,48,43
